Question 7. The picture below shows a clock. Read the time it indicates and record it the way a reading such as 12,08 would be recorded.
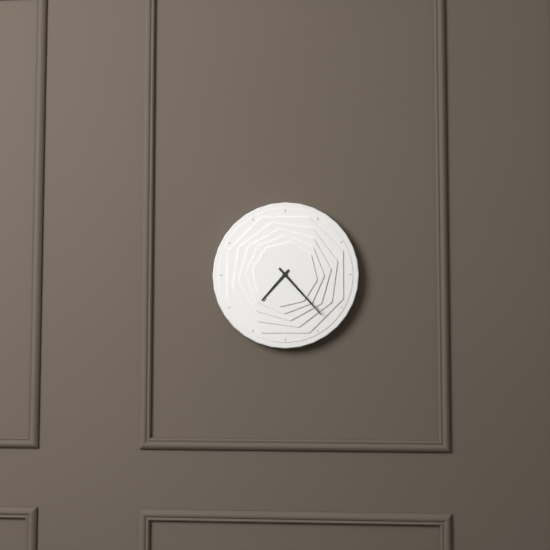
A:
7,23
